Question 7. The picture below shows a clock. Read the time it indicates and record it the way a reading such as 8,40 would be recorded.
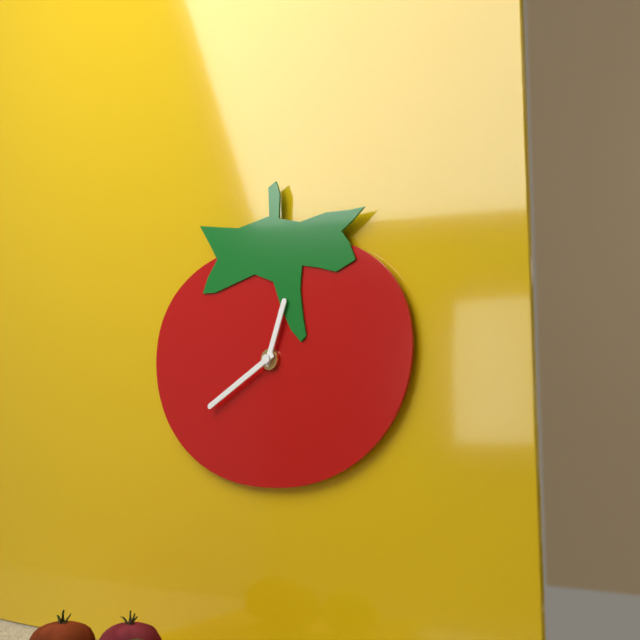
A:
12,40
